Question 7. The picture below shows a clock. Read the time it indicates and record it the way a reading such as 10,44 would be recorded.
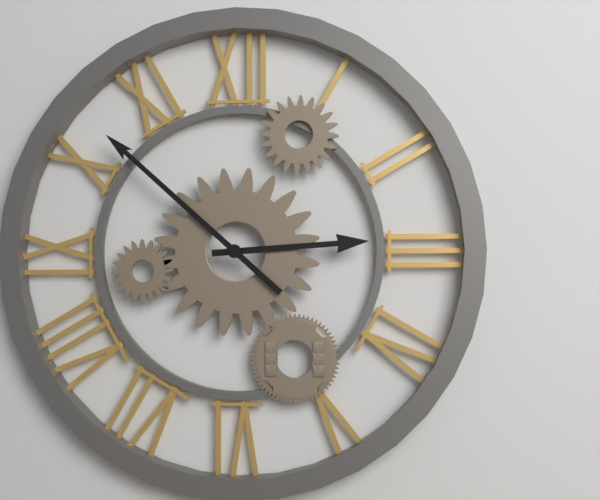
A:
2,52
